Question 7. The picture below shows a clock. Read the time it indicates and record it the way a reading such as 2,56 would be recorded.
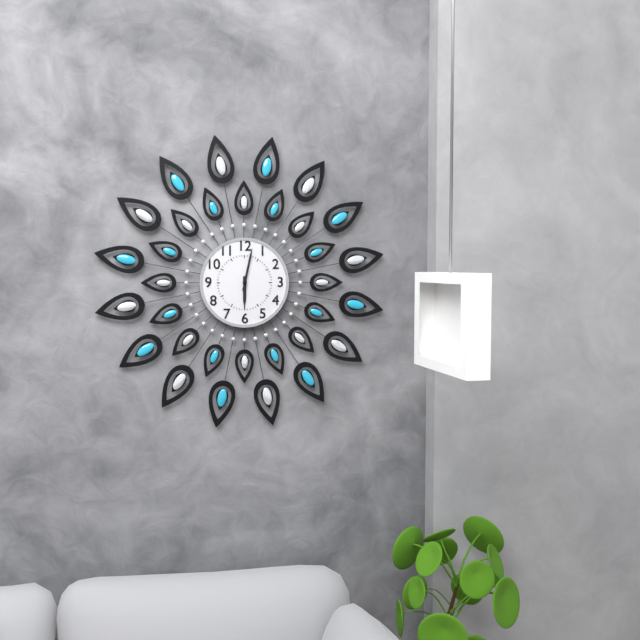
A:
6,02
